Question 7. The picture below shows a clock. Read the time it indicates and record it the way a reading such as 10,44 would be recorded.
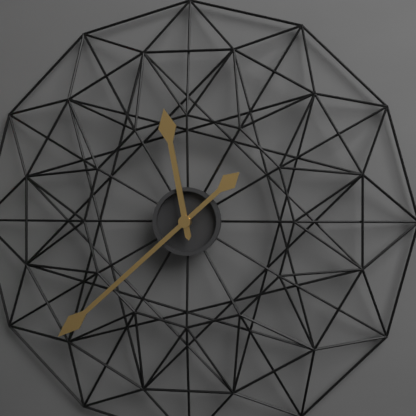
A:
11,38
